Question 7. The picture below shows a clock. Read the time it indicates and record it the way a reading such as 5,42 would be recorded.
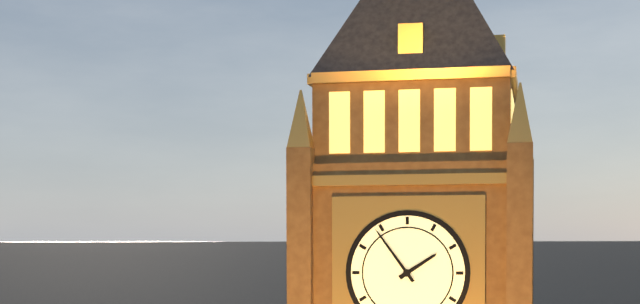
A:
1,54
